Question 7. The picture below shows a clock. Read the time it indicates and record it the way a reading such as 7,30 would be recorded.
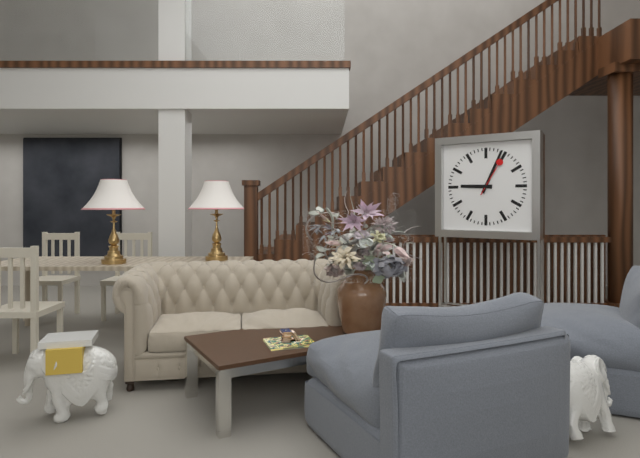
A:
9,04
